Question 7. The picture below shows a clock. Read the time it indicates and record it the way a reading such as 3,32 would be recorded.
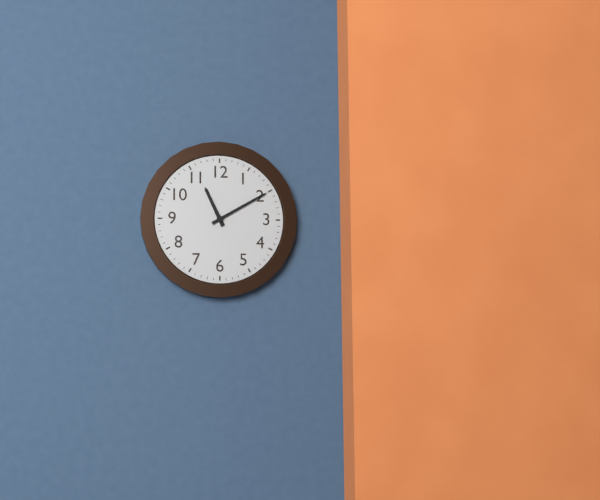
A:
11,10
